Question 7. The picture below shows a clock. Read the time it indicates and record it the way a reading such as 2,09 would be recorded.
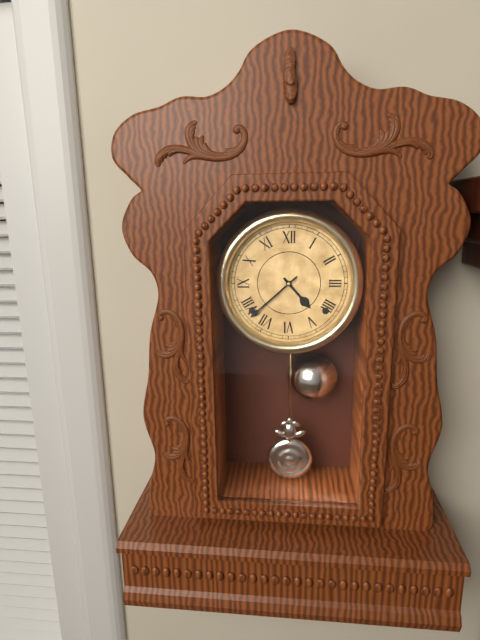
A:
4,38
